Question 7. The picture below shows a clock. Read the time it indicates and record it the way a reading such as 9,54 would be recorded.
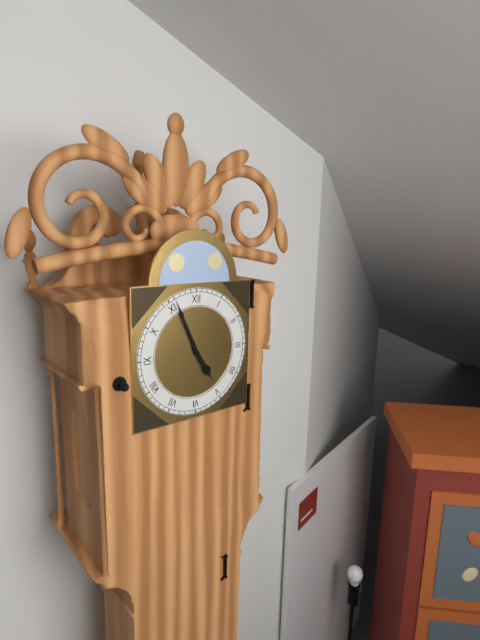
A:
4,56
